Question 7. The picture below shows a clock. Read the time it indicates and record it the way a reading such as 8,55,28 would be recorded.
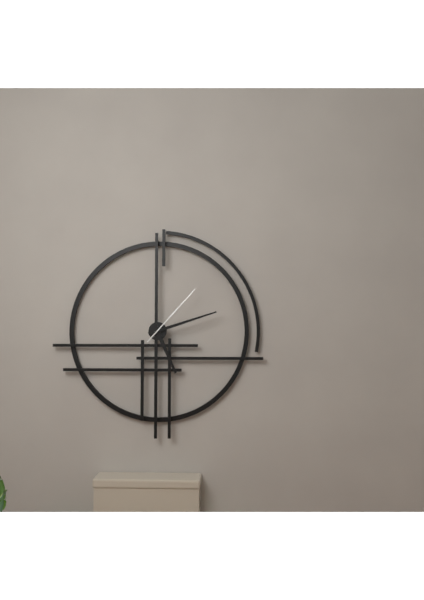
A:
5,12,07
